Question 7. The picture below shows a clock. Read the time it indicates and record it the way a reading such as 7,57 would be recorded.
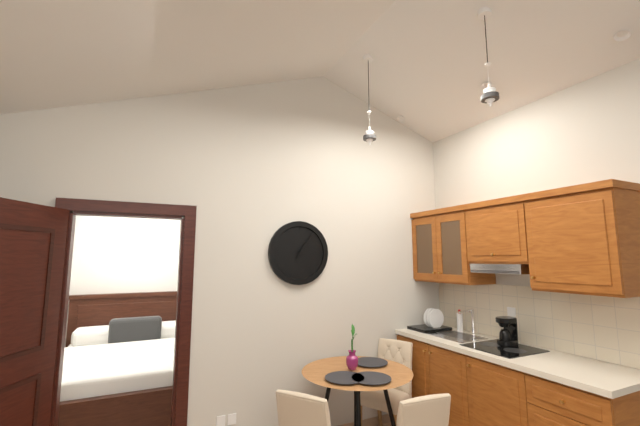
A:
1,06
